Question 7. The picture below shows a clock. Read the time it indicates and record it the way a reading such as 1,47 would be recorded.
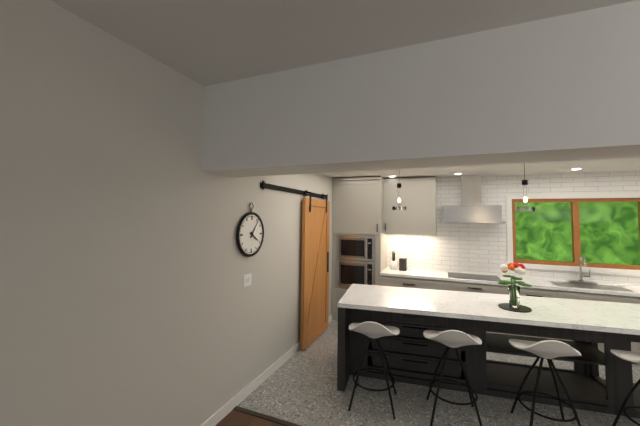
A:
4,06
